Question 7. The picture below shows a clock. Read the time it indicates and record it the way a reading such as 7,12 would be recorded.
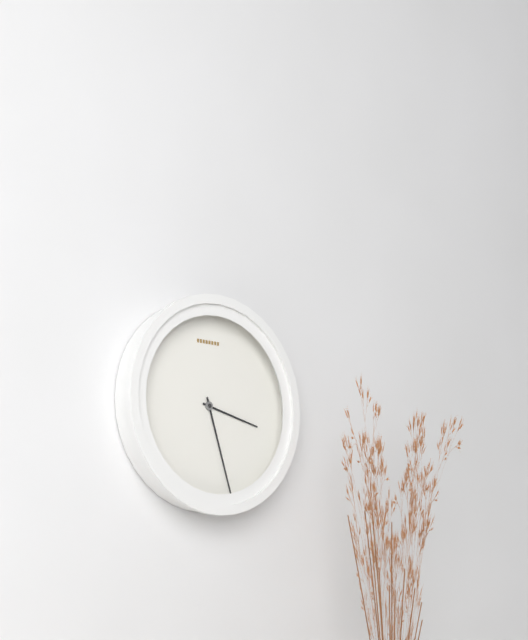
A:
3,27
